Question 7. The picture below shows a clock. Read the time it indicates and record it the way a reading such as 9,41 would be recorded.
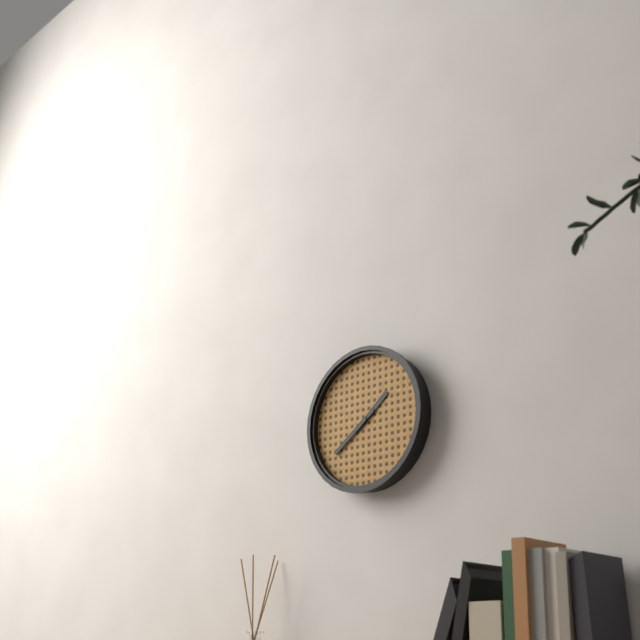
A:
1,39
